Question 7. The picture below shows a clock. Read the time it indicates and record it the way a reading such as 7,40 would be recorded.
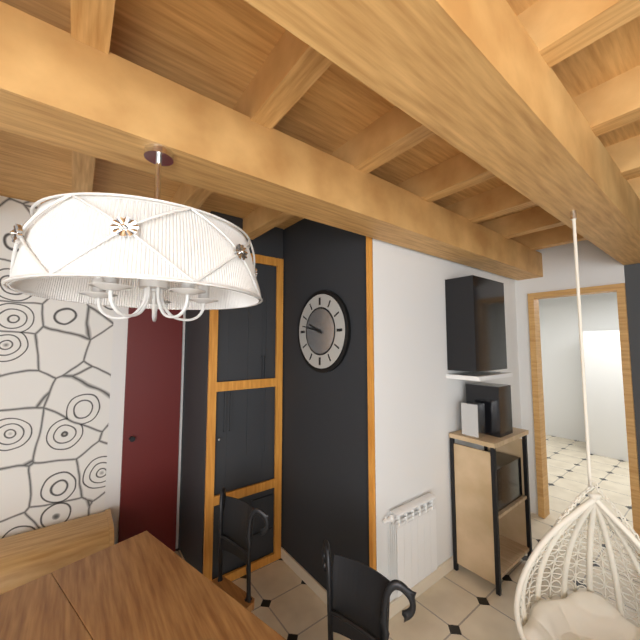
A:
9,47
